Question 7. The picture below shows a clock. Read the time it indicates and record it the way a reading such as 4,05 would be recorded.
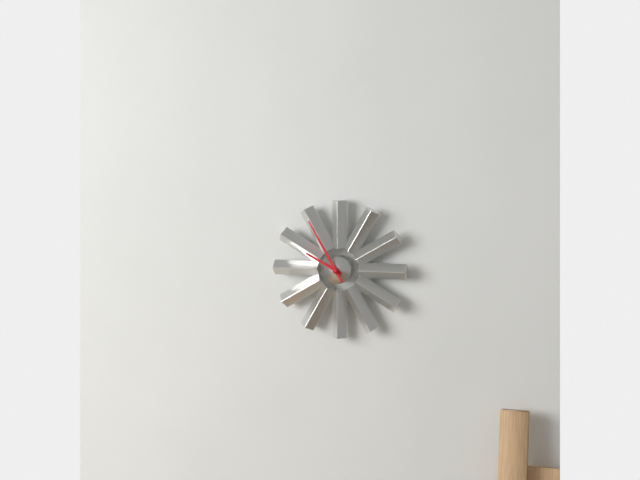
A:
9,55
